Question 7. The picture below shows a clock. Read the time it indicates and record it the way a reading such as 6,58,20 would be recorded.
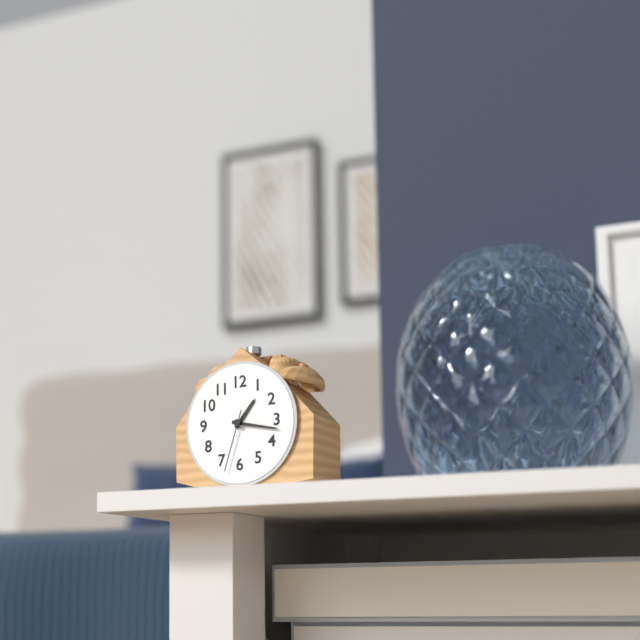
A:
1,17,33
